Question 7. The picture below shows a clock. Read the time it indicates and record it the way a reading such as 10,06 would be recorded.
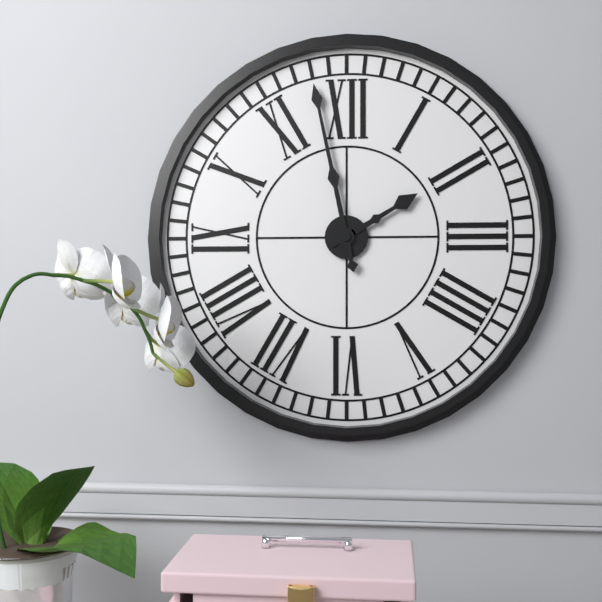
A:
1,58
